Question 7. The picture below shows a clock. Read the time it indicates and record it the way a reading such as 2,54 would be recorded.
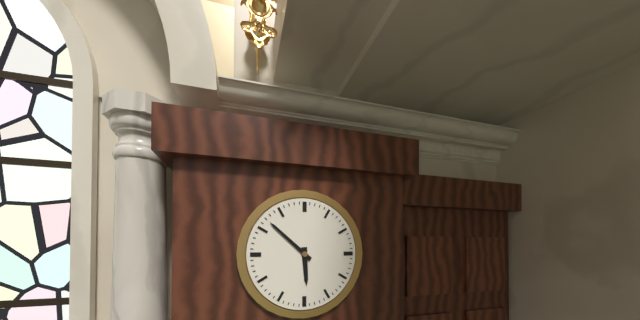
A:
5,52
